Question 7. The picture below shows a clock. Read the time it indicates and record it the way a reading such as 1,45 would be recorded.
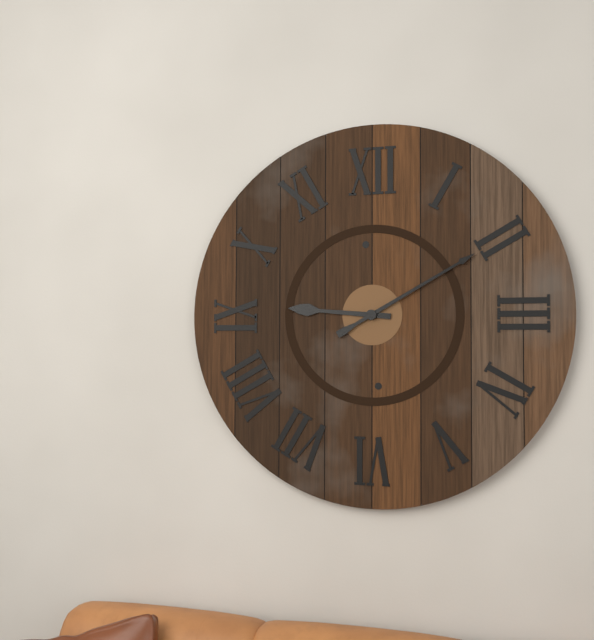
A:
9,10
